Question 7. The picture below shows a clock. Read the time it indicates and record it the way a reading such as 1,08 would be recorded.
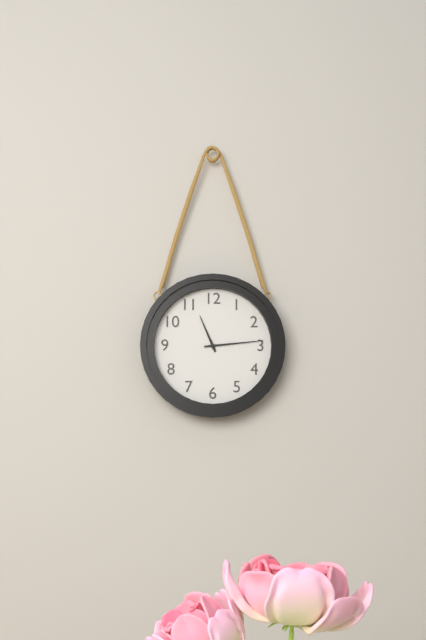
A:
11,14
